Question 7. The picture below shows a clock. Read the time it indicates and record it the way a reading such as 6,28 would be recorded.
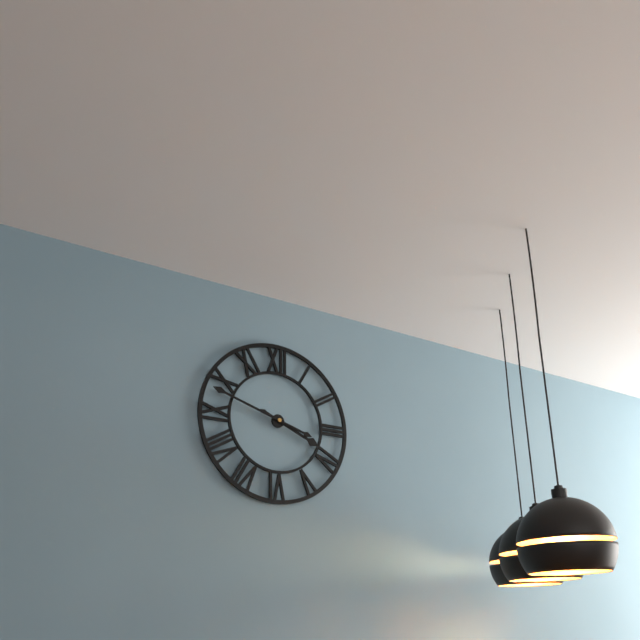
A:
3,48
